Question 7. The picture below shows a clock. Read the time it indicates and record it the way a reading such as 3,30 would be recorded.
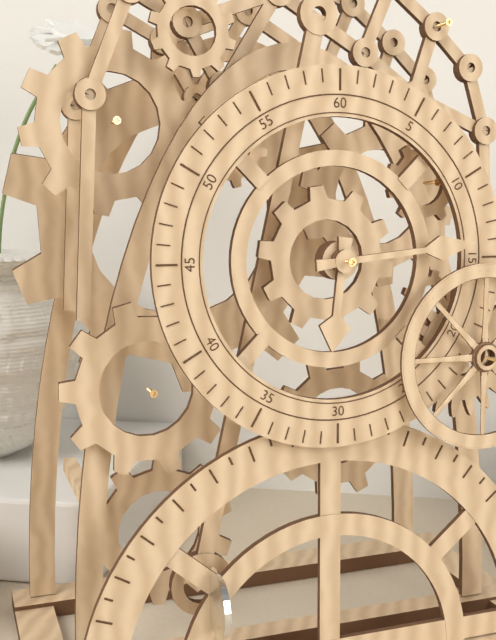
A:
6,14
